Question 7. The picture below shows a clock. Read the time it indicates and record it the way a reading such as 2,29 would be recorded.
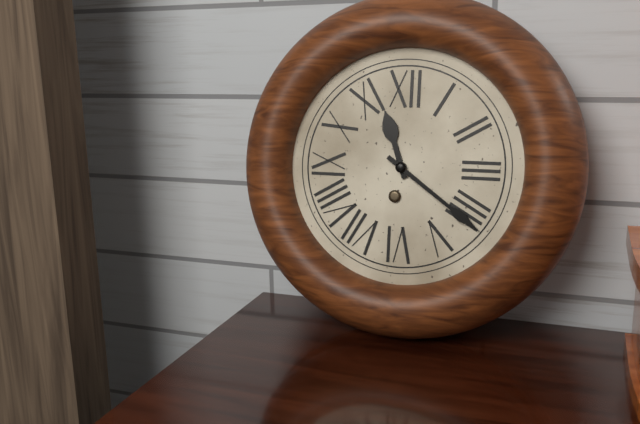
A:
11,21
